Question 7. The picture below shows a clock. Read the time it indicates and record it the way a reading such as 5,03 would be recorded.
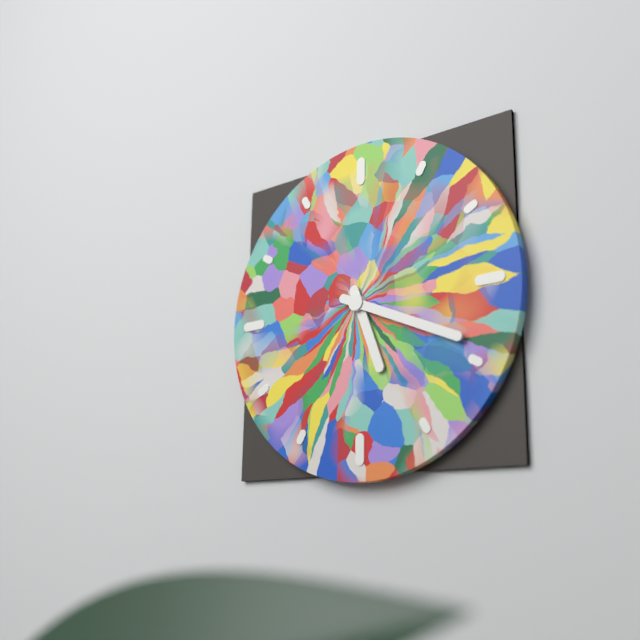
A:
5,19
